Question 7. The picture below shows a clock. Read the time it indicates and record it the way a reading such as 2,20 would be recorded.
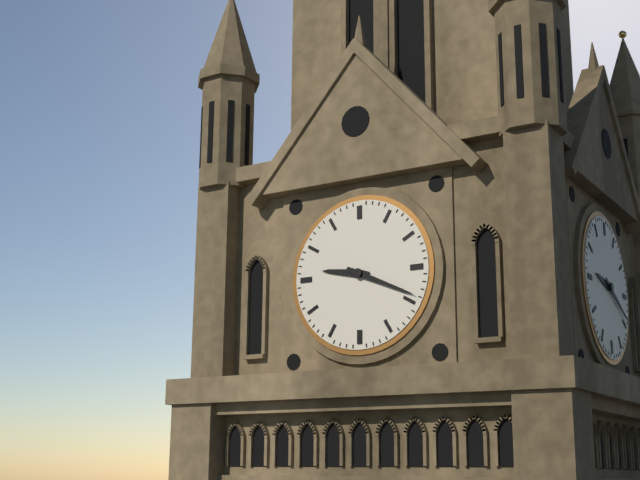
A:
9,19
